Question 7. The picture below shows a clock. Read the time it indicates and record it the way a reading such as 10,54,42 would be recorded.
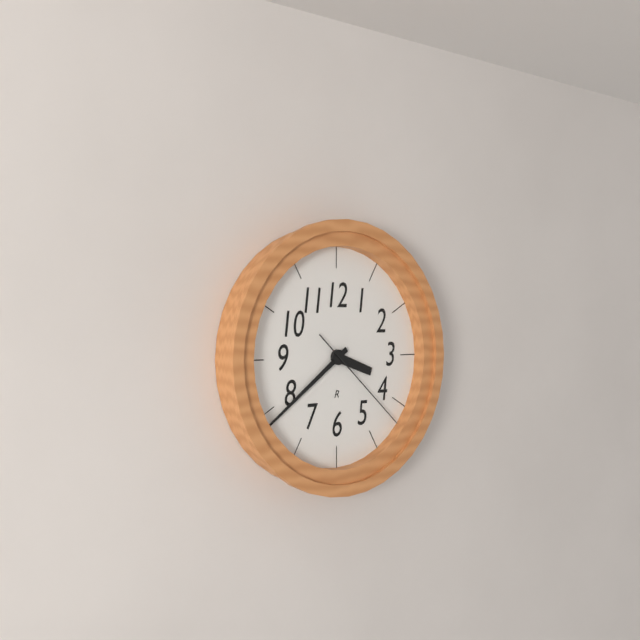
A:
3,39,22
